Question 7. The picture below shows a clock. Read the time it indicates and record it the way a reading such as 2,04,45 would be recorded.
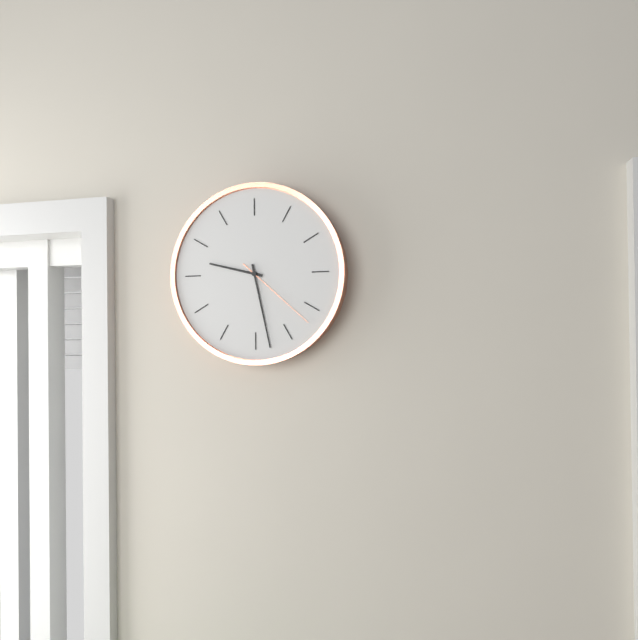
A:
9,28,22
